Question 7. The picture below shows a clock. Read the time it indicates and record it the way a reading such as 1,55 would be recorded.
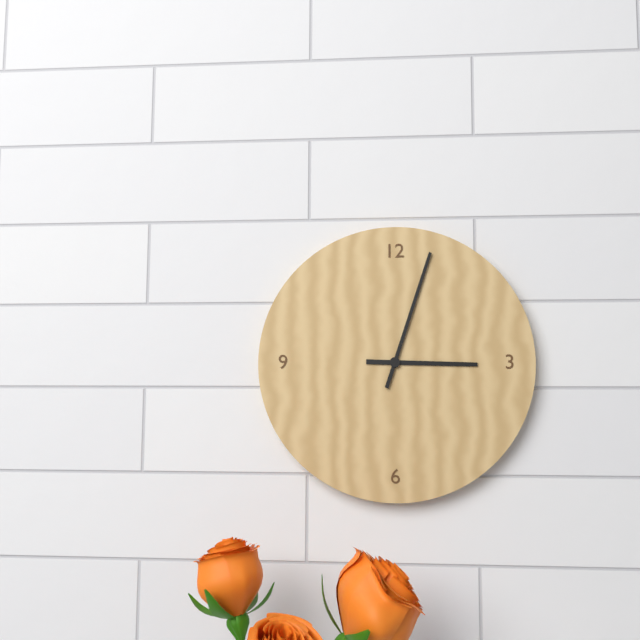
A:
3,03
